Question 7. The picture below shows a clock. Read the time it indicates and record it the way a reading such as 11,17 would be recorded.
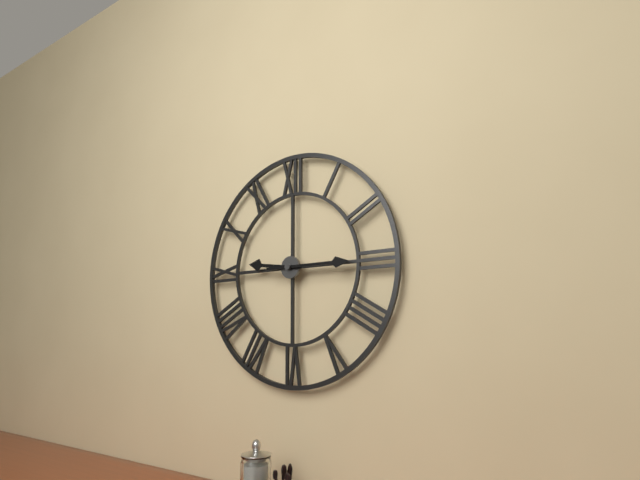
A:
9,15
